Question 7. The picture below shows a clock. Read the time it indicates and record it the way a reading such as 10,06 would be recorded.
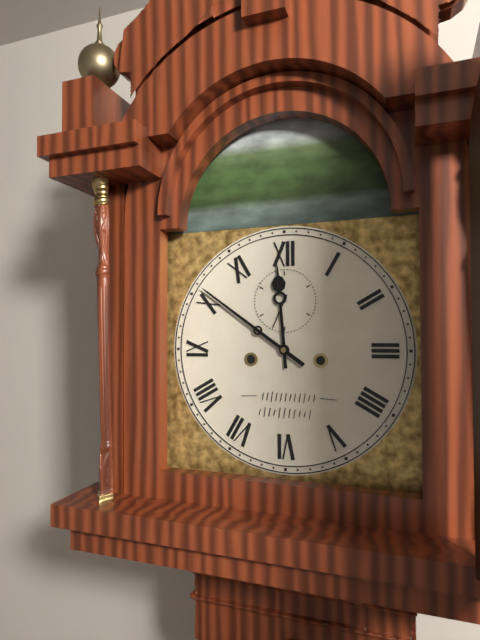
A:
11,51
